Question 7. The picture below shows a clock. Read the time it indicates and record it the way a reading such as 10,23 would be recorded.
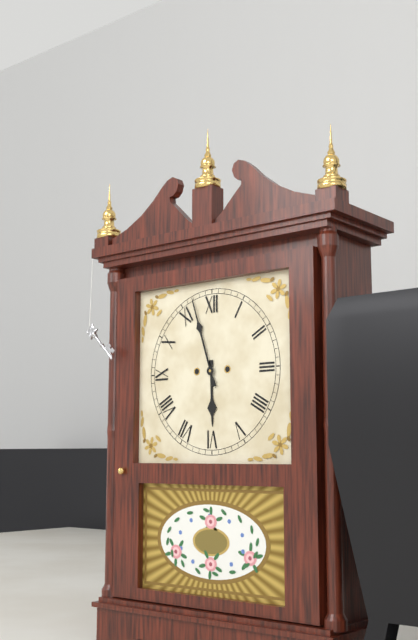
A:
5,57
